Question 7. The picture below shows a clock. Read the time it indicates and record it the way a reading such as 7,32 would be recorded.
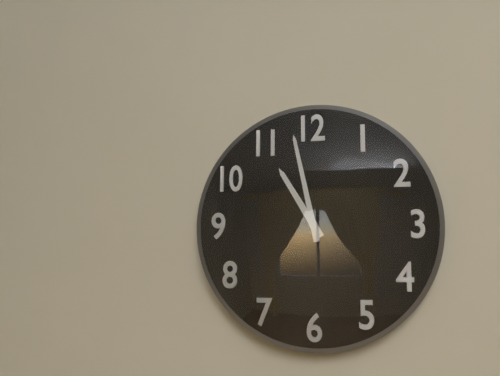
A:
10,58
